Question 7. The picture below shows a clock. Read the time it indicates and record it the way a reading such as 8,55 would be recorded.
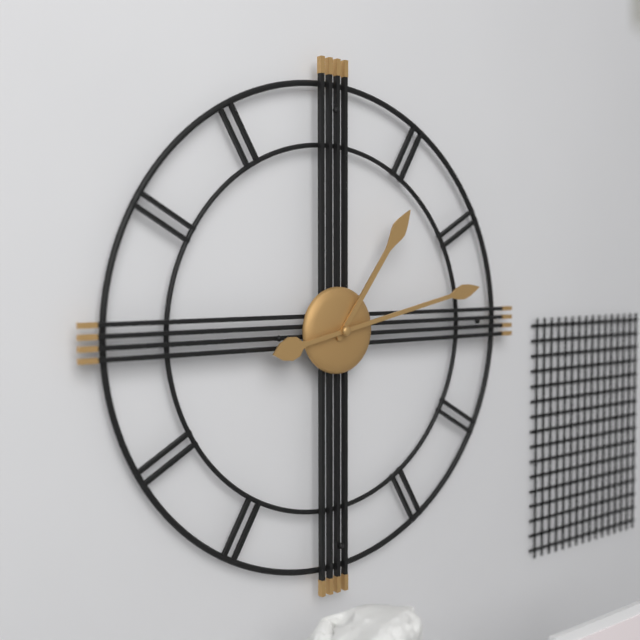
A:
1,13
